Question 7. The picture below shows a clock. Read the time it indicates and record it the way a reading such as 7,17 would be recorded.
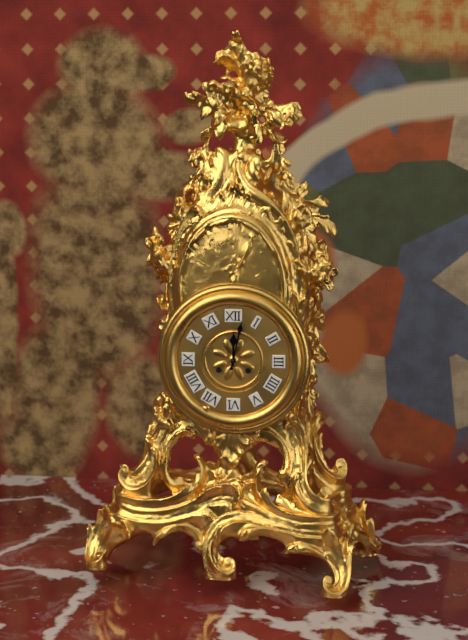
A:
12,02
